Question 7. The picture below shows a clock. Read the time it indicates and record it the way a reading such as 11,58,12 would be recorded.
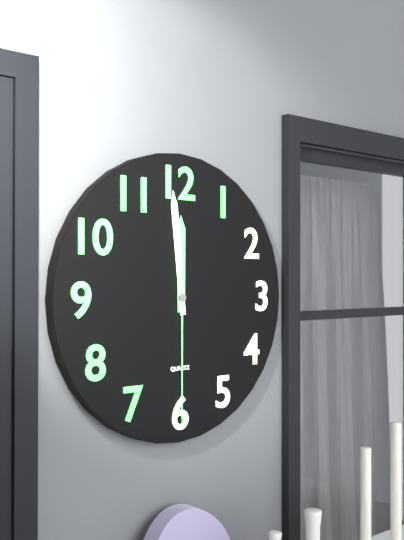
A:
11,59,30
